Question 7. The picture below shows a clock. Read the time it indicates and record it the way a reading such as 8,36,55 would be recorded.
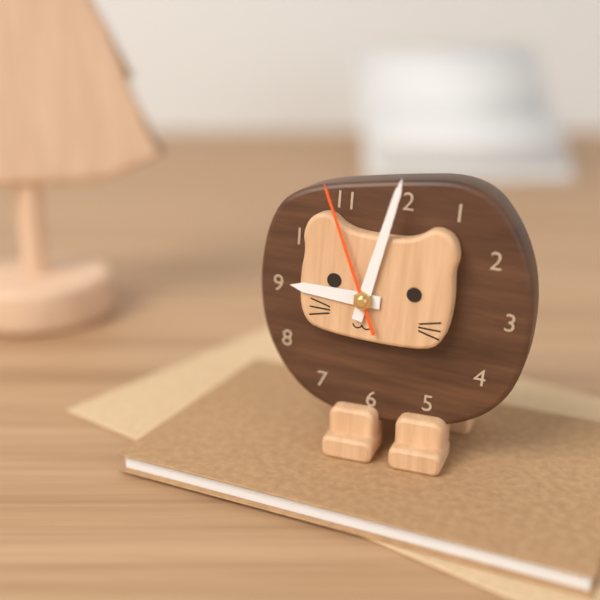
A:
9,02,56
